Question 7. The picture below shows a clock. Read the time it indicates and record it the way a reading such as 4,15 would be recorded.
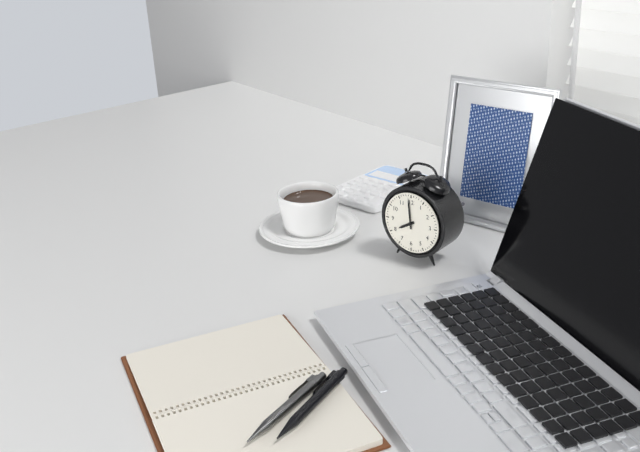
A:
7,59
